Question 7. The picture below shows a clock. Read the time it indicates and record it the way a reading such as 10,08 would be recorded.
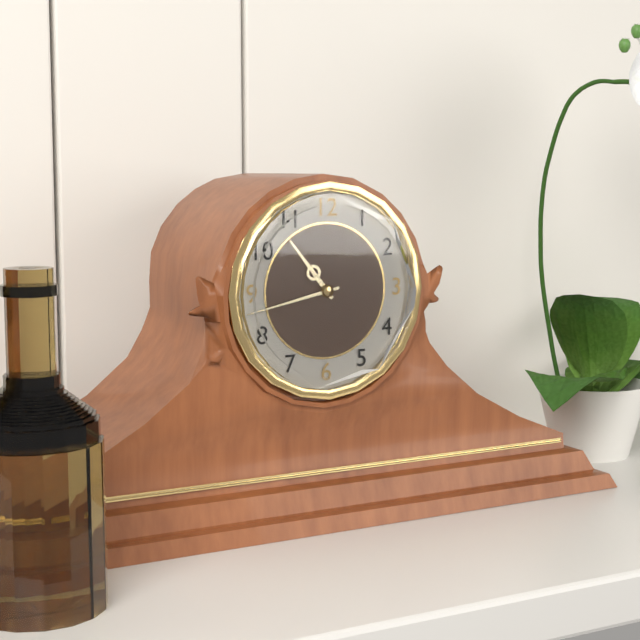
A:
10,43
